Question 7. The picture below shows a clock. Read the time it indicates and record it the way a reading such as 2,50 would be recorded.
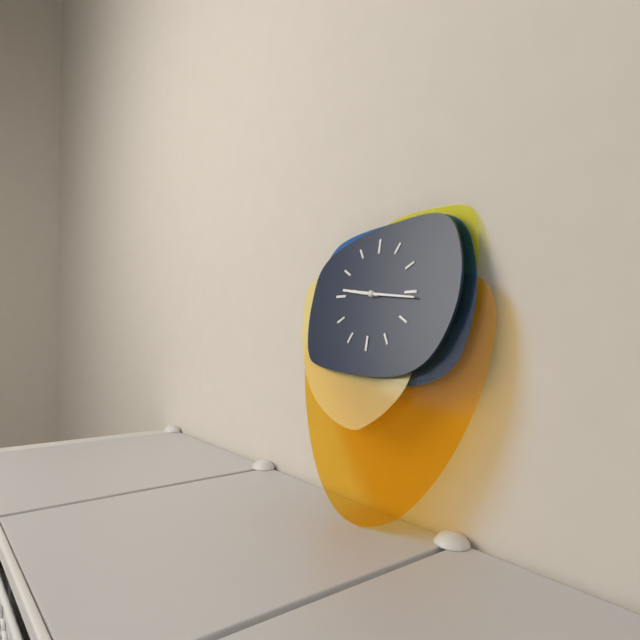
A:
9,16
